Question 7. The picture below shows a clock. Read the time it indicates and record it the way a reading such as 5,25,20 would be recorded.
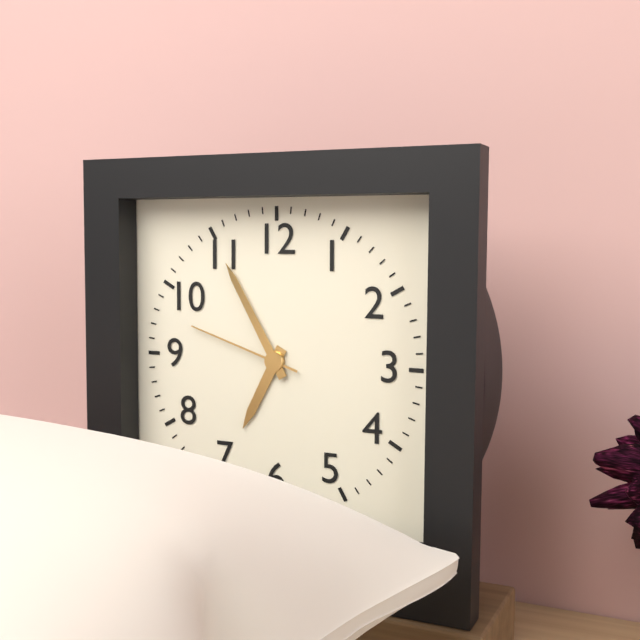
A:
6,55,48
